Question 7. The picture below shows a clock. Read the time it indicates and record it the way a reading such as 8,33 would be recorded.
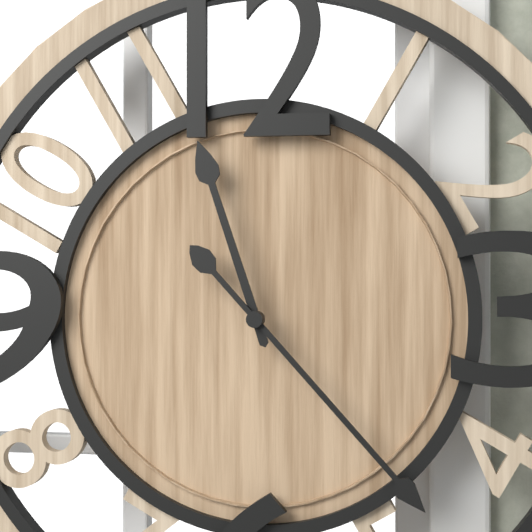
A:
11,23
